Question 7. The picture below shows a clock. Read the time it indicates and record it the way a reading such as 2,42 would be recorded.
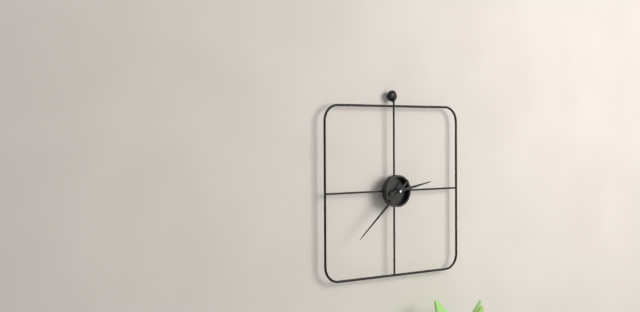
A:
2,38
